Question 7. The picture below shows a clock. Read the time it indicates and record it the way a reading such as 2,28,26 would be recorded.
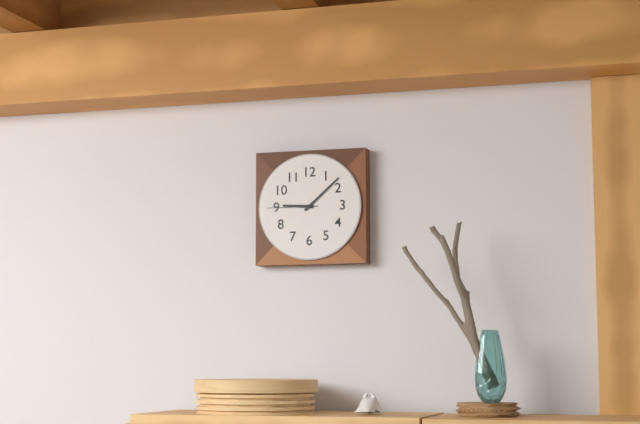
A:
9,08,45
